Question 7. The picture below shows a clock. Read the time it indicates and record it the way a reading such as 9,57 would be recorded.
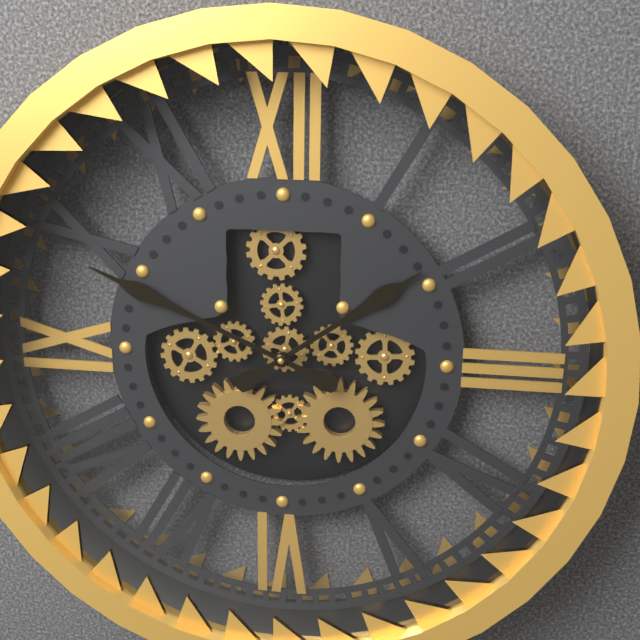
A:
1,49
